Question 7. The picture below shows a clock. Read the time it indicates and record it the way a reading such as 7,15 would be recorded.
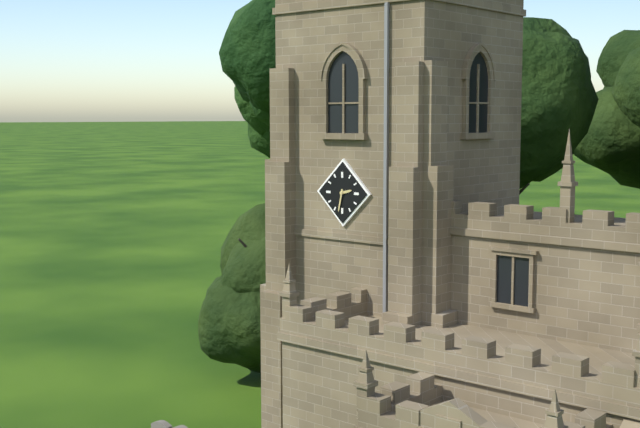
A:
2,32
